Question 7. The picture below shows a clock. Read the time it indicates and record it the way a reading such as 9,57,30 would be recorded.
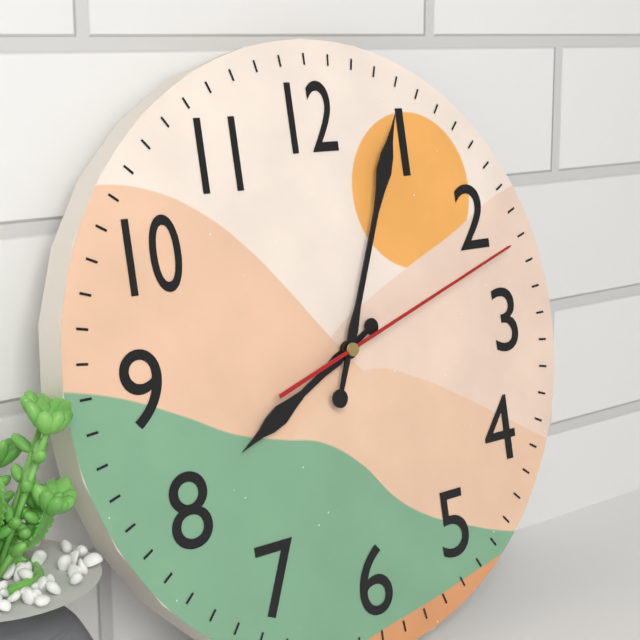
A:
8,04,12
